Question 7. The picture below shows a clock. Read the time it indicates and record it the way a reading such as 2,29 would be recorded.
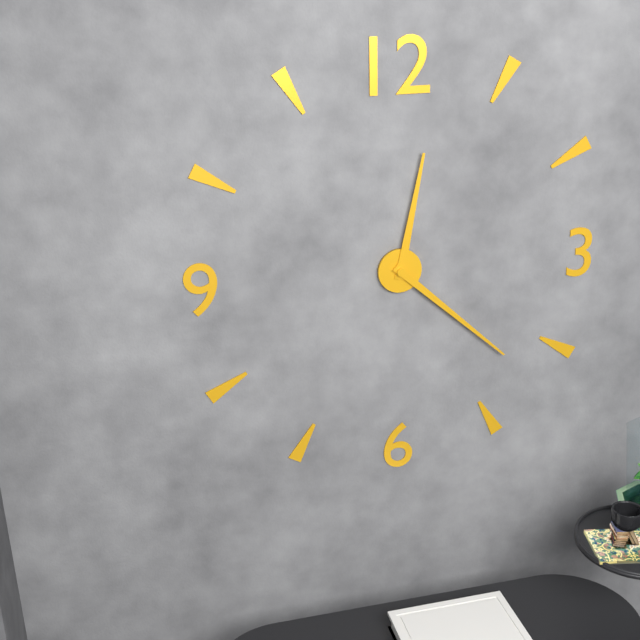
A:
12,22
